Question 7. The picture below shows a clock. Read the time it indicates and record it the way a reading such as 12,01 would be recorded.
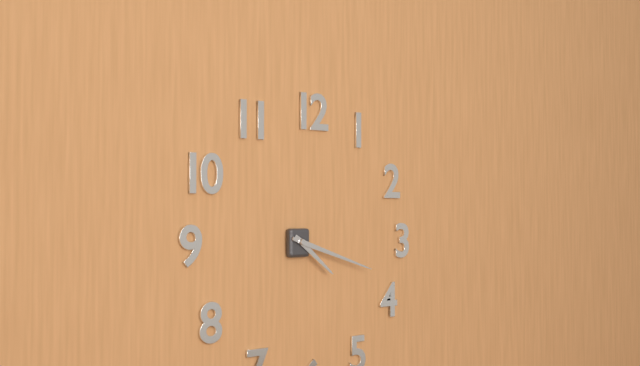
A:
4,18
